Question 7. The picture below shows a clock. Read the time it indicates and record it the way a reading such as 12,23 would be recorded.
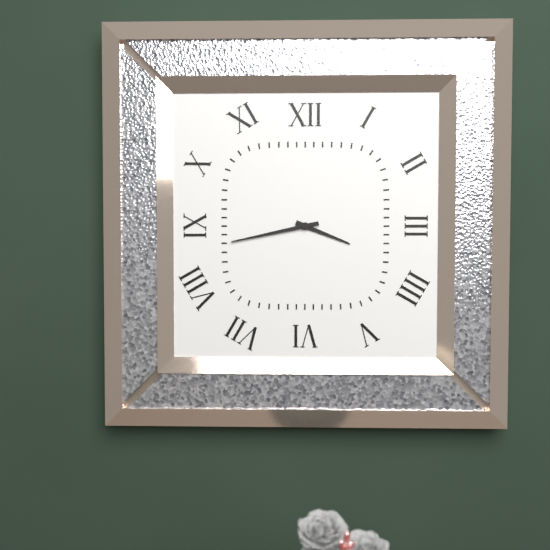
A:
3,43
